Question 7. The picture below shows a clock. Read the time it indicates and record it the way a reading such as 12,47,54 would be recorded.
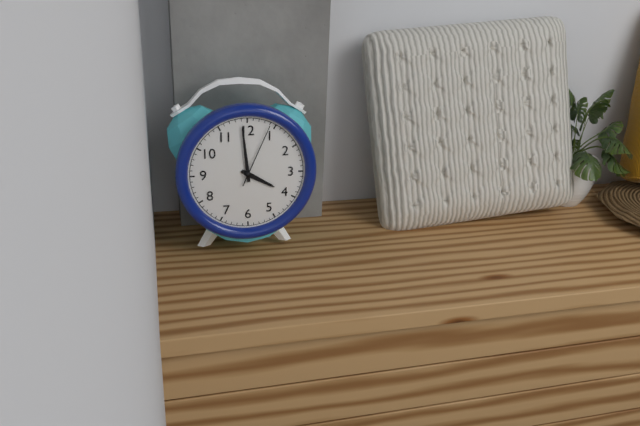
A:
3,59,04
